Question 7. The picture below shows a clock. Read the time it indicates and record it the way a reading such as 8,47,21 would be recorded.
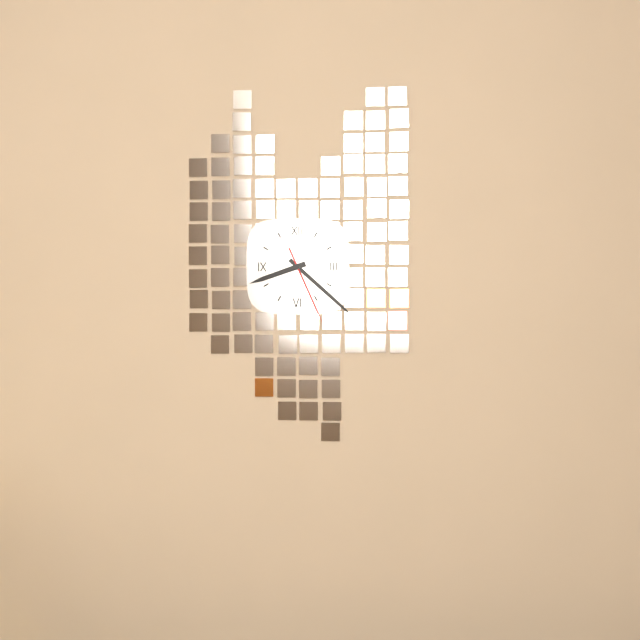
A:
8,22,26
